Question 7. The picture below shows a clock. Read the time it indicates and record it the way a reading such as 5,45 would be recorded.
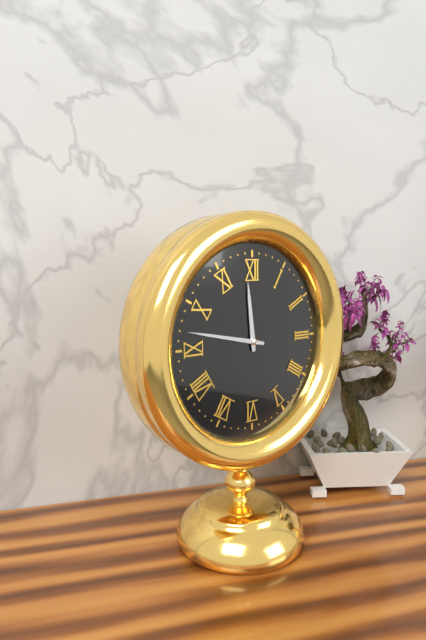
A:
11,47
